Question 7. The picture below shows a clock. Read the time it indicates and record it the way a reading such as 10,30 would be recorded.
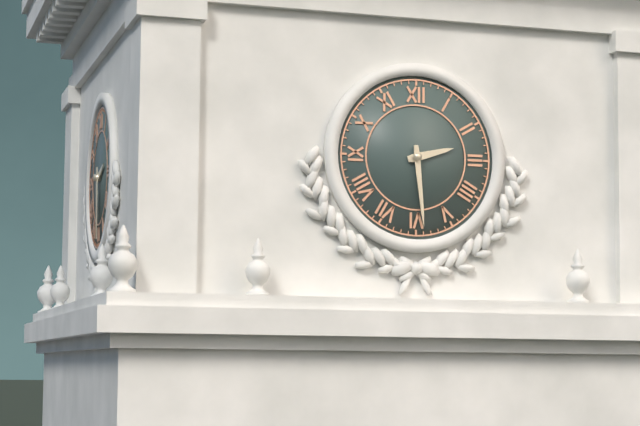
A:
2,29
